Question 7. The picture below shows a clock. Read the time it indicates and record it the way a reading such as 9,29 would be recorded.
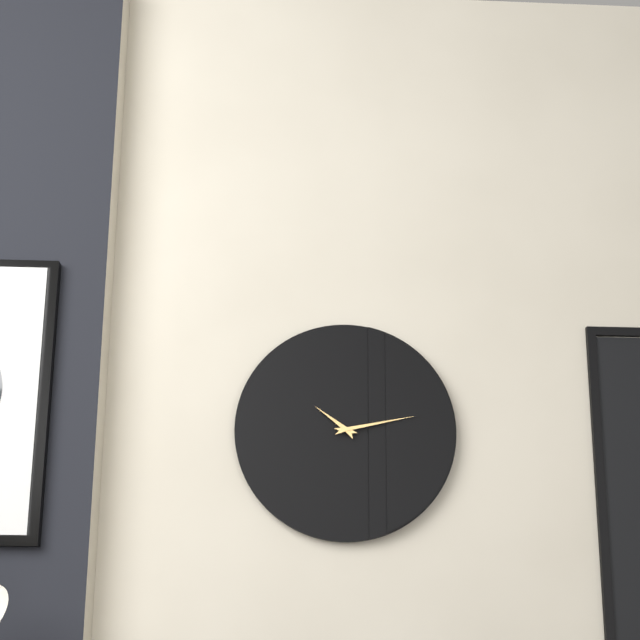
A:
10,13
